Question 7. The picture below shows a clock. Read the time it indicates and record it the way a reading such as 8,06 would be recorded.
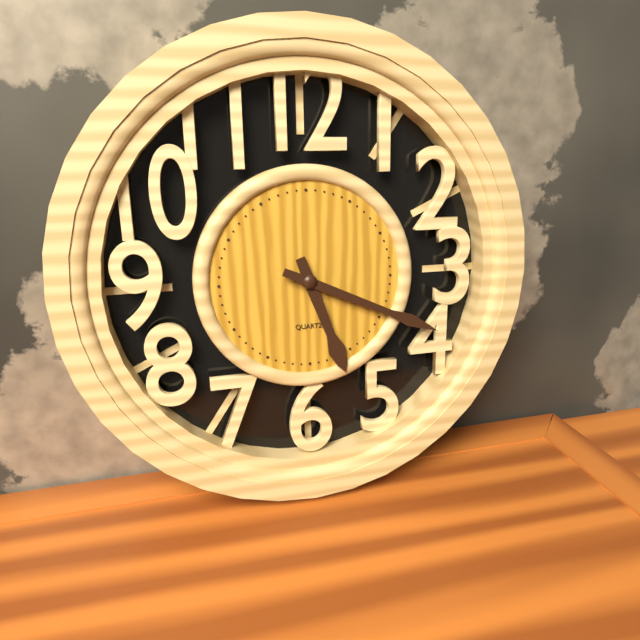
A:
5,19
